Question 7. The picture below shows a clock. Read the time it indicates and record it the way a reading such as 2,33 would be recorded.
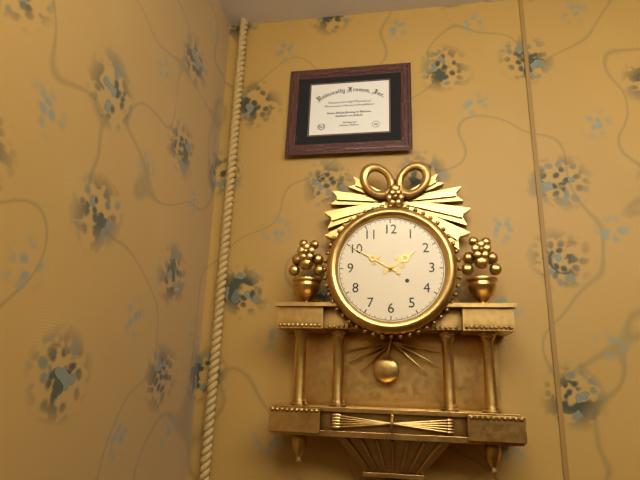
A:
1,50
